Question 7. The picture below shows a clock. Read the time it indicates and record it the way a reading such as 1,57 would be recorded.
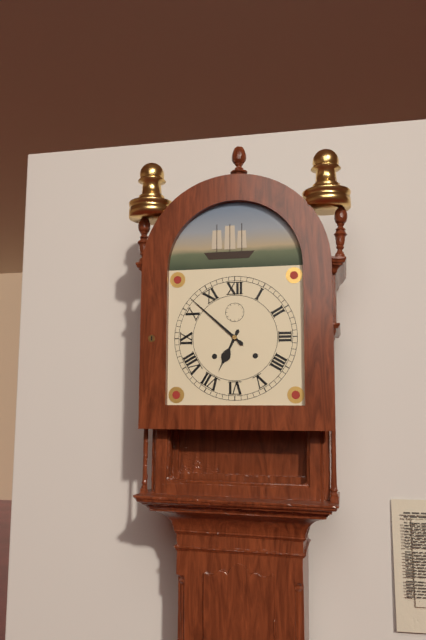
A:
6,52
